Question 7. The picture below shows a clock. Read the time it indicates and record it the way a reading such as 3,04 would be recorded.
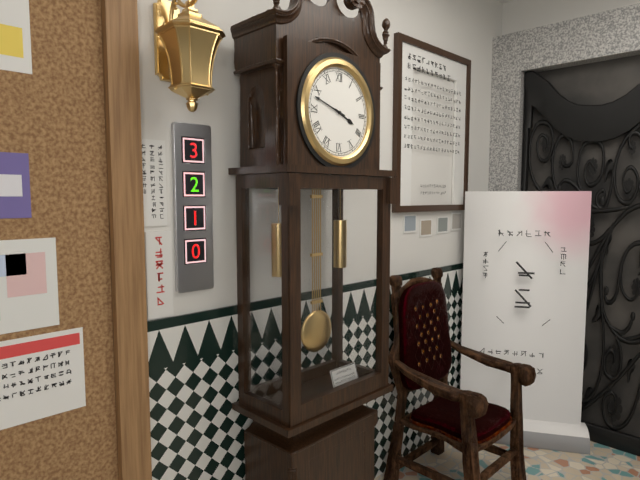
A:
3,48
